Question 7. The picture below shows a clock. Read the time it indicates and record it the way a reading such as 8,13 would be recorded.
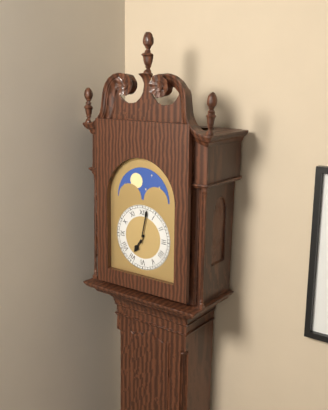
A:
7,02
